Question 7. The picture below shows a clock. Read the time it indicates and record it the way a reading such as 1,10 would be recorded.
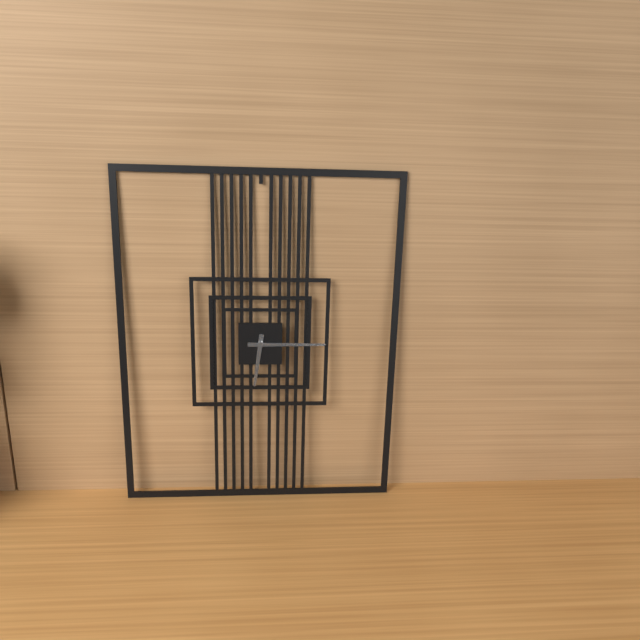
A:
6,15
